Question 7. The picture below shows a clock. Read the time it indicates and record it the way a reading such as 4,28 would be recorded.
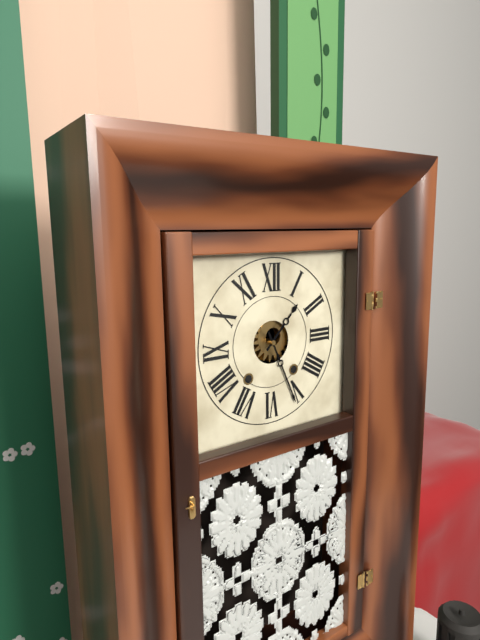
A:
1,26
